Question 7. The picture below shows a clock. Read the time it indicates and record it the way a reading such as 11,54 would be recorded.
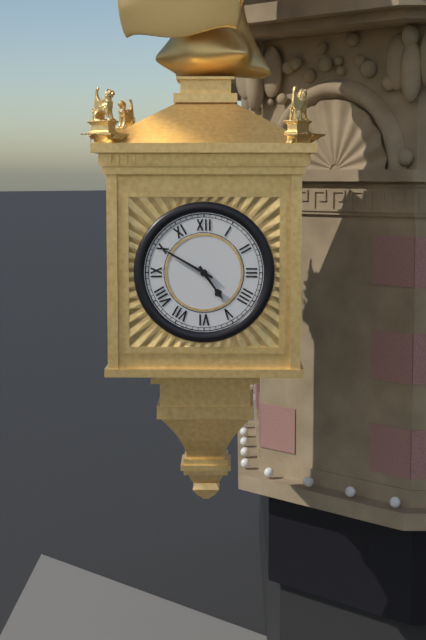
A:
4,50
